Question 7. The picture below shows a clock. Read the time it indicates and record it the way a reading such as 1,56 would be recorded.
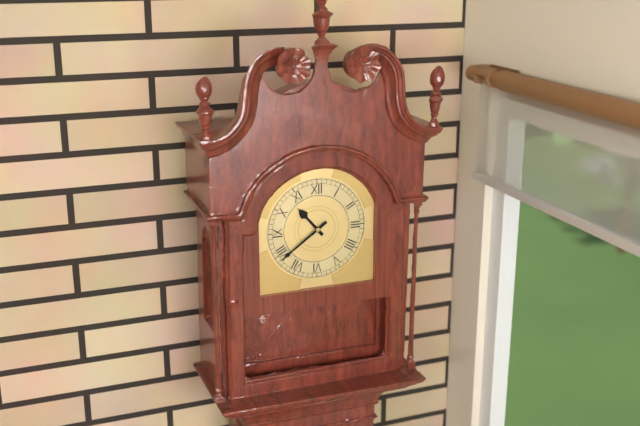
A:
10,39
